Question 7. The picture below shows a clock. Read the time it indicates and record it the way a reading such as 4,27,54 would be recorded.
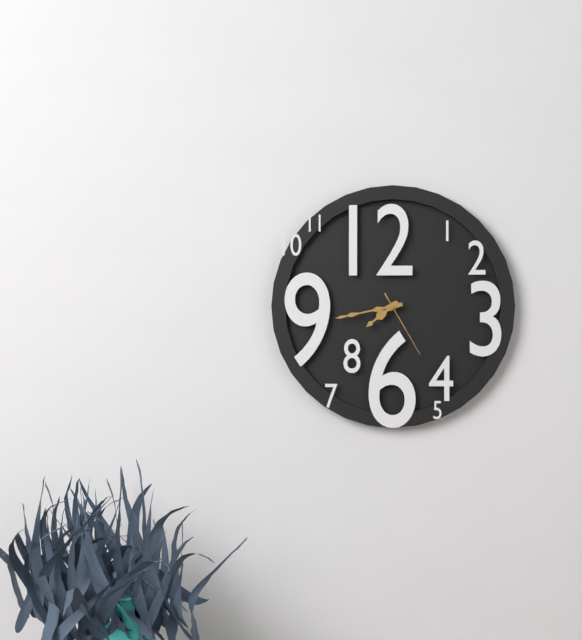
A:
7,43,25
